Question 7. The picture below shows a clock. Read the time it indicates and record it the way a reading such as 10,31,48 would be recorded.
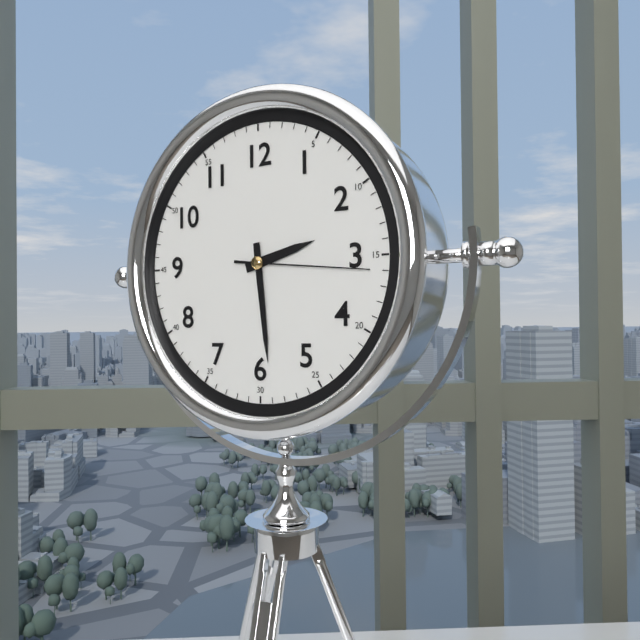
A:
2,29,16
